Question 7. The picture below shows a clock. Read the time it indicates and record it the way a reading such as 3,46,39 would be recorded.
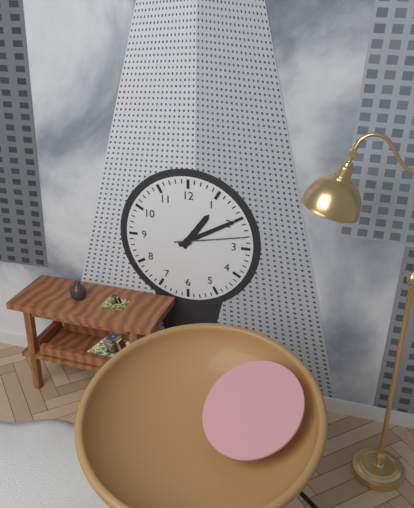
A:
1,10,13
